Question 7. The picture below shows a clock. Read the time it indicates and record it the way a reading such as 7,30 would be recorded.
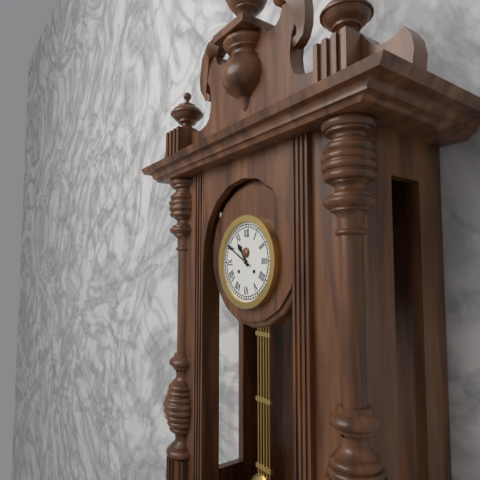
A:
10,50
